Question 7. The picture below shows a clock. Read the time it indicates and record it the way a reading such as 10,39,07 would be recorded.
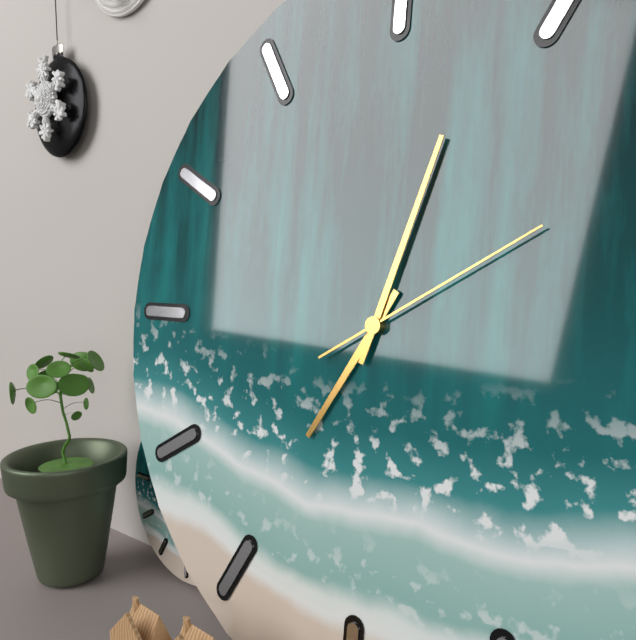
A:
7,03,10
